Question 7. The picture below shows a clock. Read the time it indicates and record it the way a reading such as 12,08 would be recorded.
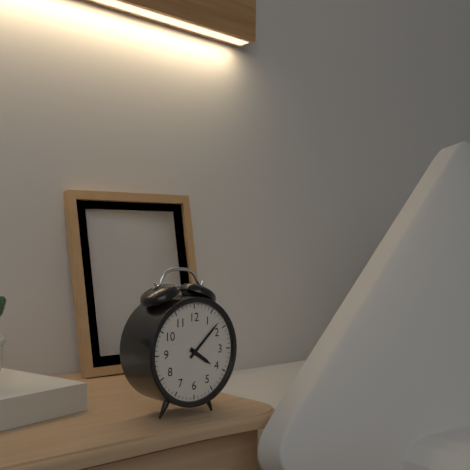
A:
4,08
